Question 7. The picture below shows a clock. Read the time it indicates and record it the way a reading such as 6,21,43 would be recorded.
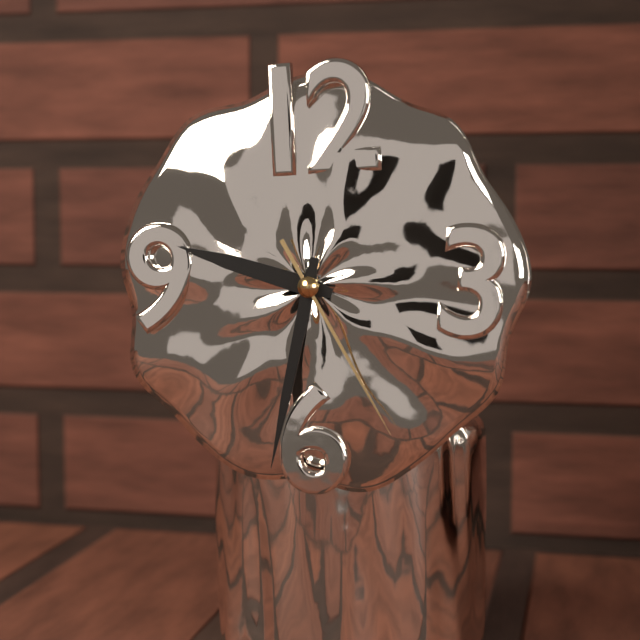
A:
9,32,25
